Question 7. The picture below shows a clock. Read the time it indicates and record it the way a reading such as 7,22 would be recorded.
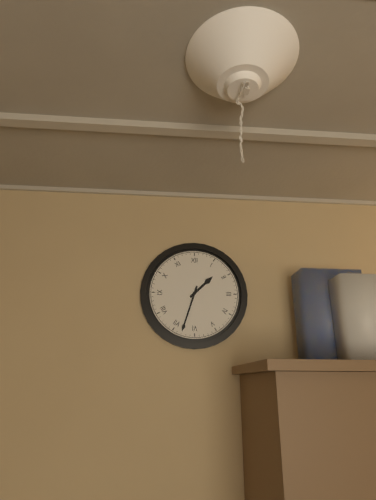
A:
1,33
